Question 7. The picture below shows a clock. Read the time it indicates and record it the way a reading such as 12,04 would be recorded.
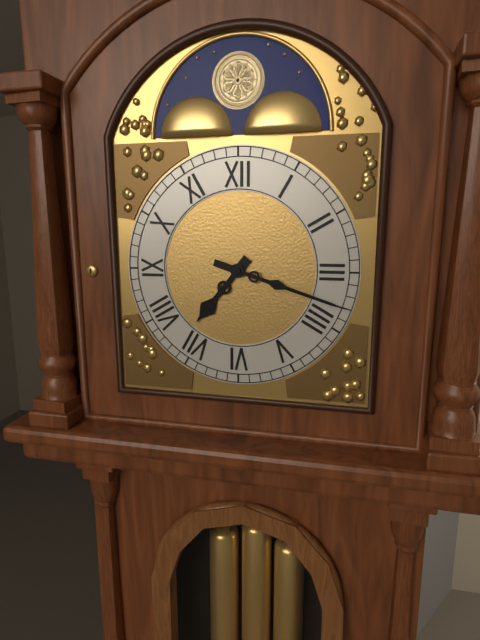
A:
7,18
